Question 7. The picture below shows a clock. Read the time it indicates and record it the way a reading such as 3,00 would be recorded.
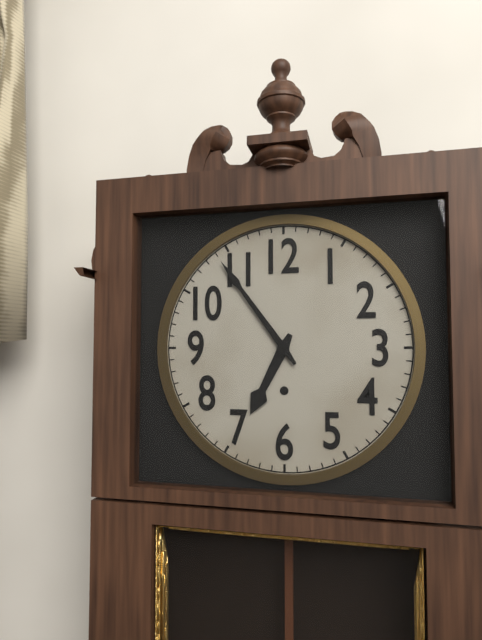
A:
6,54
